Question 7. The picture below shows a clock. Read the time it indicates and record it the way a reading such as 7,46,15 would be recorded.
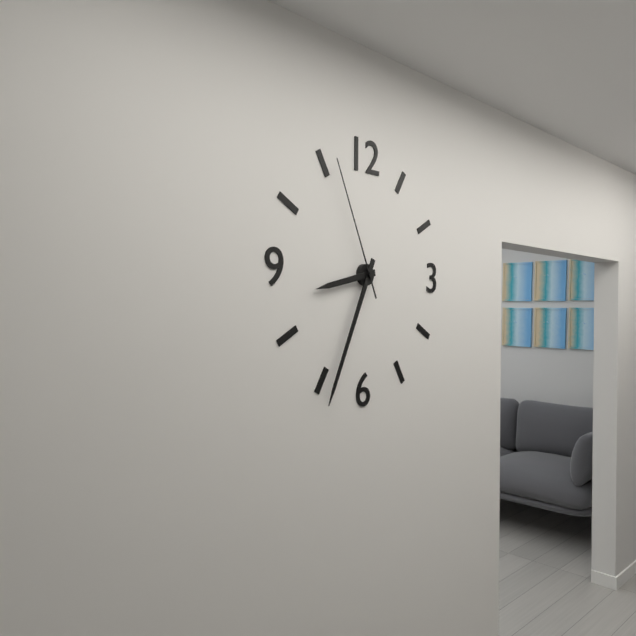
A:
8,34,56
